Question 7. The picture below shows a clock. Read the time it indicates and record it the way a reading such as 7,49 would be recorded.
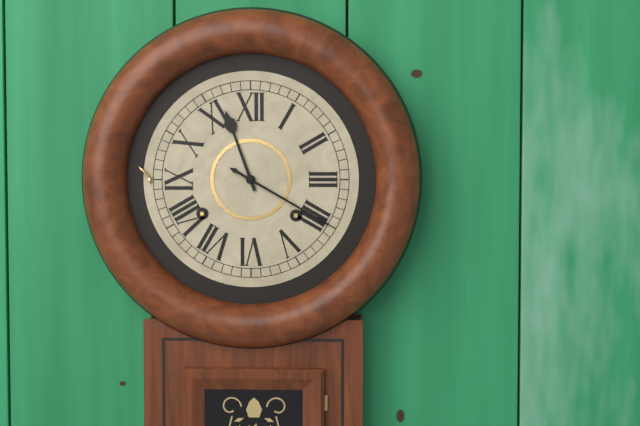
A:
11,20
